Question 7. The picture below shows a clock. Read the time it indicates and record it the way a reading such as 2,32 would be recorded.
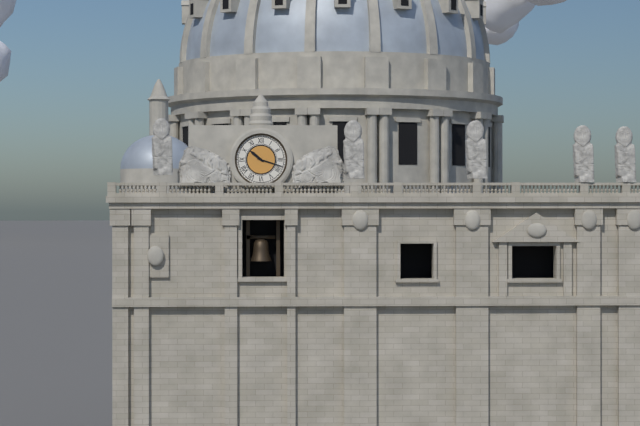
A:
10,18
